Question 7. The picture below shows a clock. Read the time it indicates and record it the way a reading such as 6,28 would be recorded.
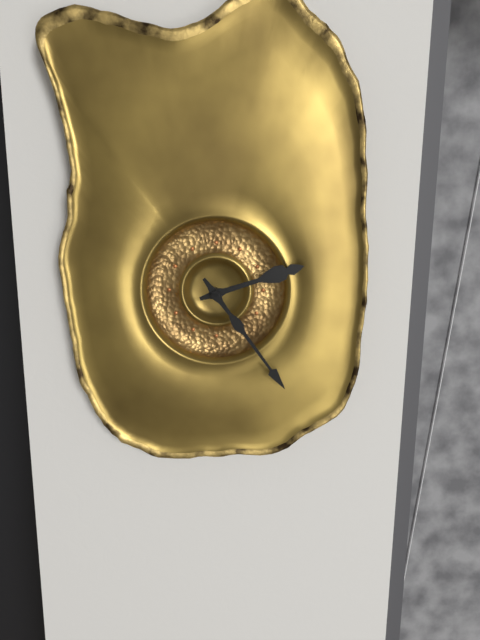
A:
2,24
